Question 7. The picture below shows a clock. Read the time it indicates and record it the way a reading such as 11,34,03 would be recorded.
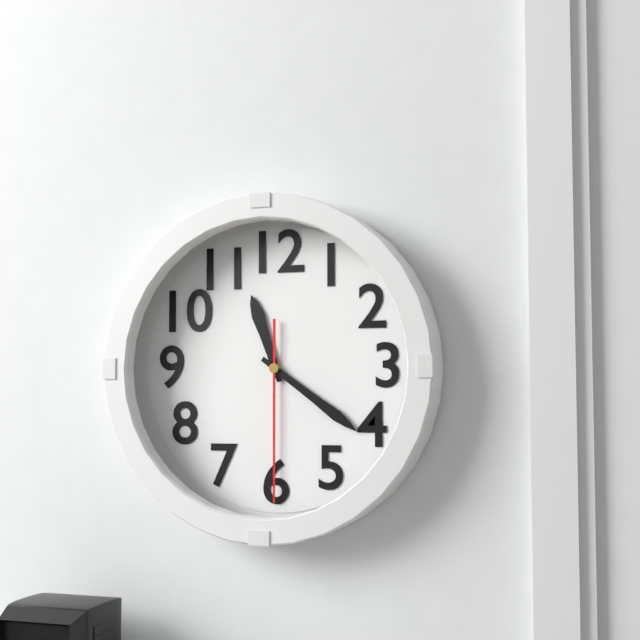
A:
11,21,30
